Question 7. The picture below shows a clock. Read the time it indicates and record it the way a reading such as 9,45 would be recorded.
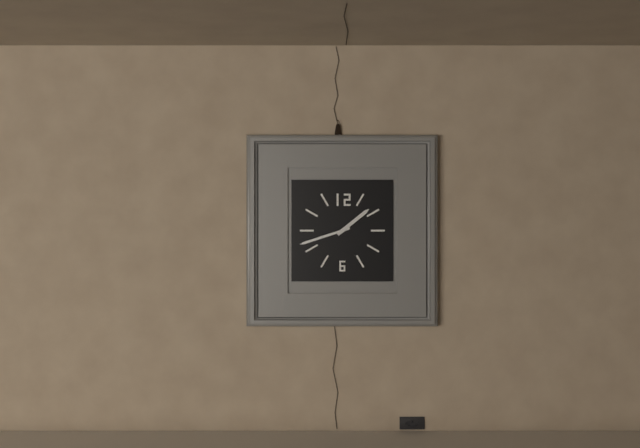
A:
1,42
